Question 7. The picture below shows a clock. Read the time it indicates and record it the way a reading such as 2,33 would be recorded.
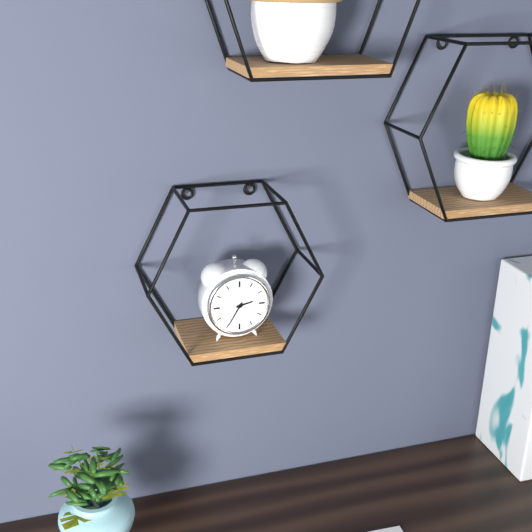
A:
2,35
